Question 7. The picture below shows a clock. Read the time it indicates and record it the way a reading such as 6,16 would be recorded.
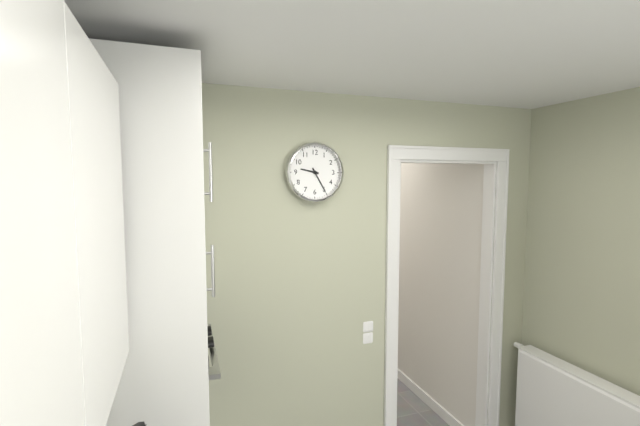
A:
9,25
